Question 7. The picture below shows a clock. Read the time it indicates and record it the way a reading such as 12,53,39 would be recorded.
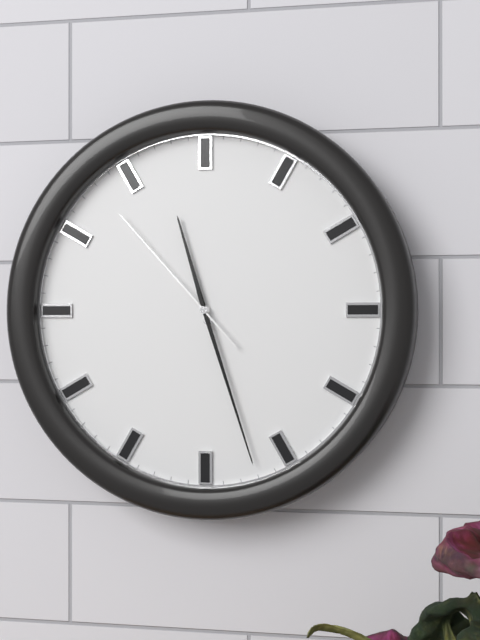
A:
11,27,53
